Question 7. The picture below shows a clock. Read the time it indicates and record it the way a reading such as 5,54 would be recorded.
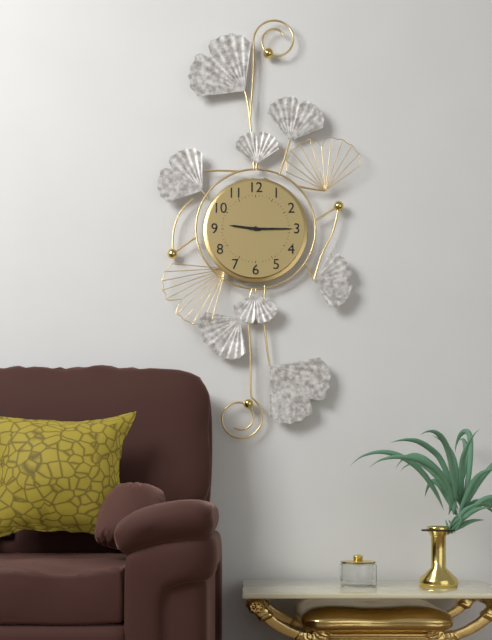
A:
9,15
